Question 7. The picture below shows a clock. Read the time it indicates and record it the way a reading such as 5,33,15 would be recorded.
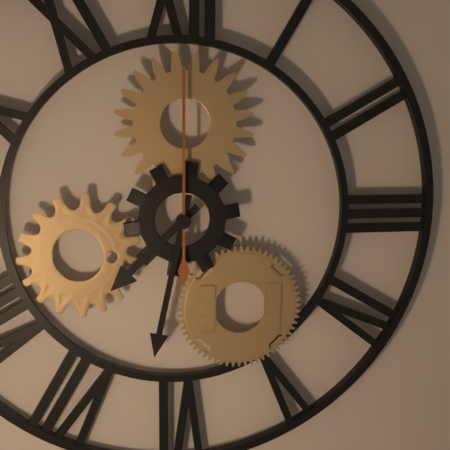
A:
7,32,00
